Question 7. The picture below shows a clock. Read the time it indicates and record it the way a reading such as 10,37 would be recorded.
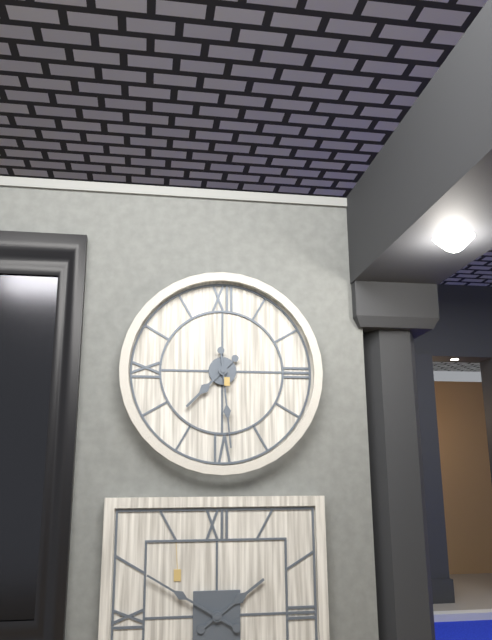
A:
7,29
